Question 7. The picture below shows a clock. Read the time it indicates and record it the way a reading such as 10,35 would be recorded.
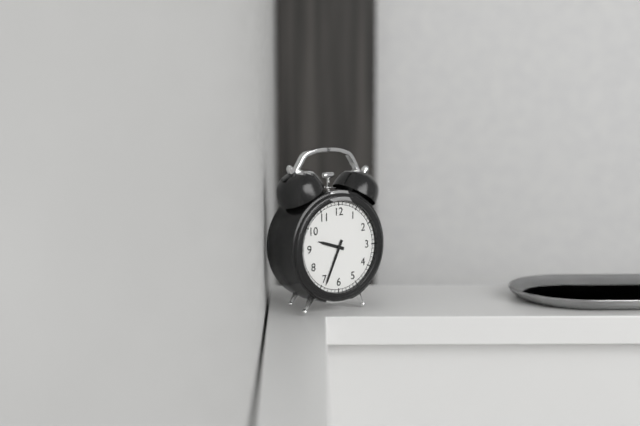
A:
9,34
